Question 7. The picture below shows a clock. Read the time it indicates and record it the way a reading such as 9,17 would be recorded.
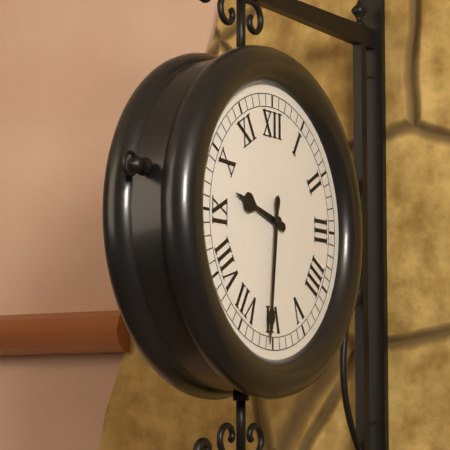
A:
9,31
